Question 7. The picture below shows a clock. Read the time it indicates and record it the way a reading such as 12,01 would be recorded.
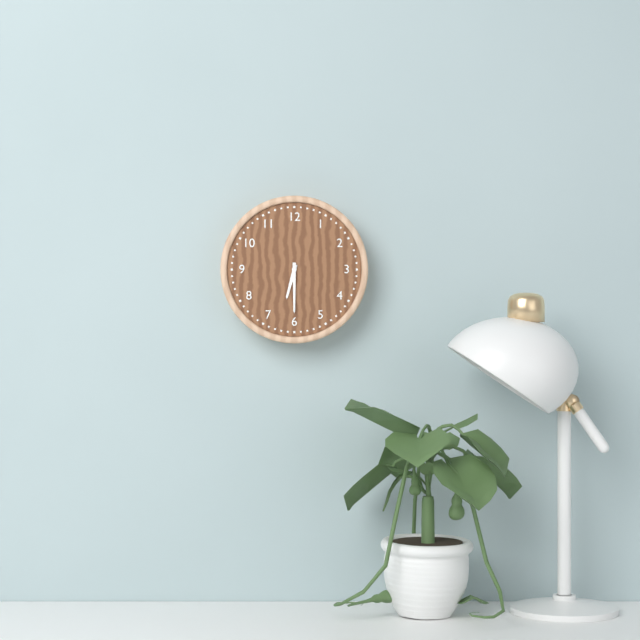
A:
6,30
